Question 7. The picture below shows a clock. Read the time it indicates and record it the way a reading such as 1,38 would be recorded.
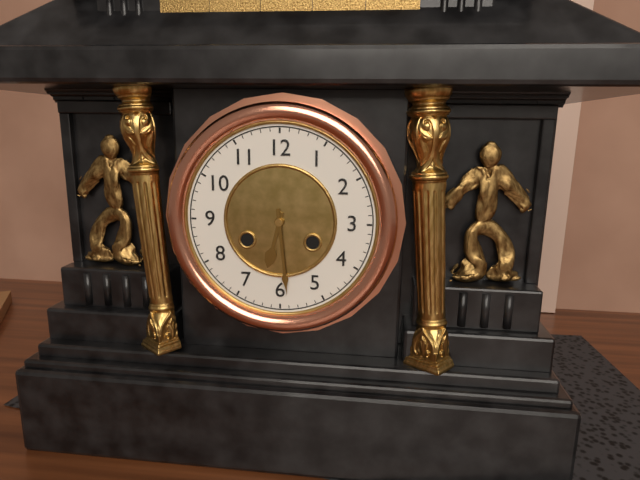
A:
6,29
